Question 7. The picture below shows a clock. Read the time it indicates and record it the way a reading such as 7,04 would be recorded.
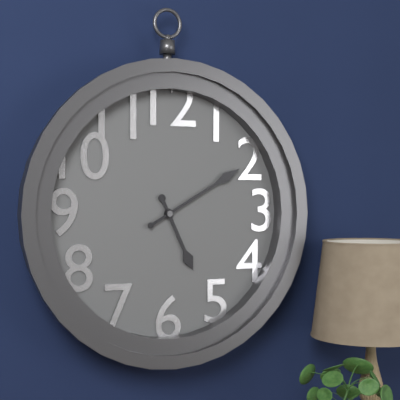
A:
5,10
